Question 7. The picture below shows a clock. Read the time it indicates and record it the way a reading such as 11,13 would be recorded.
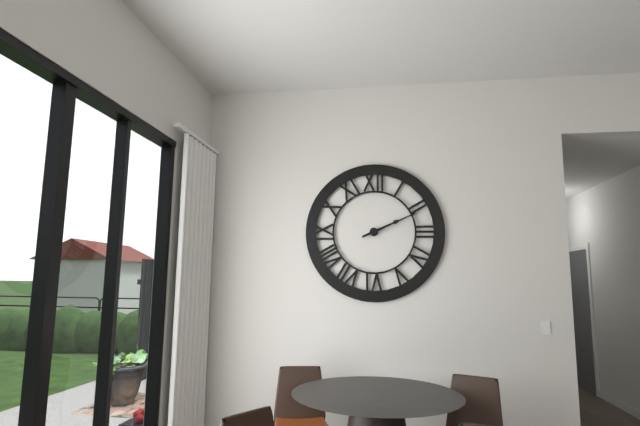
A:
2,11
